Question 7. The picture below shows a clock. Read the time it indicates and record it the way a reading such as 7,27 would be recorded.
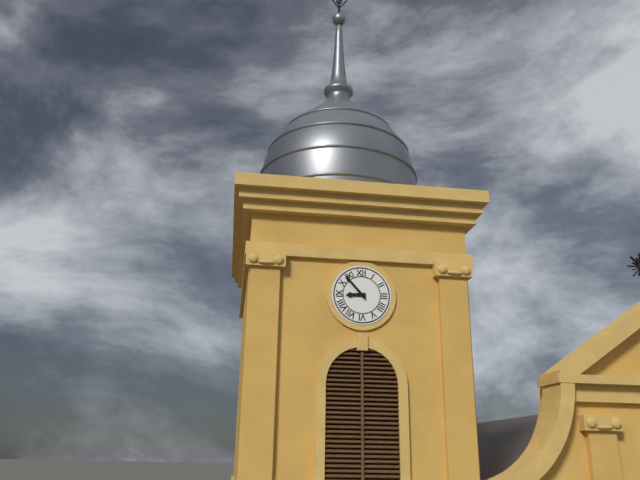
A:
8,53
